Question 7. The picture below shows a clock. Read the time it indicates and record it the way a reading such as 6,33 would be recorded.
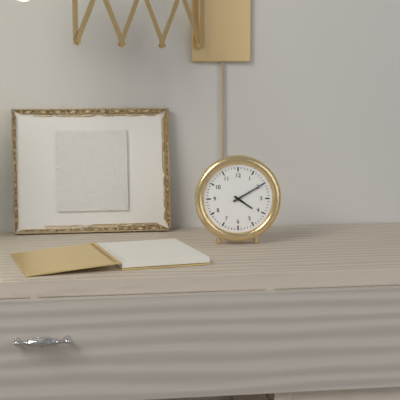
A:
4,10
